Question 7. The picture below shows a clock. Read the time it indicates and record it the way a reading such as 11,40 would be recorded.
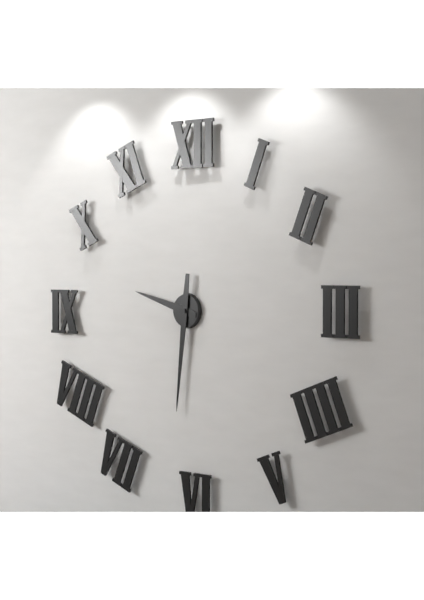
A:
9,31
